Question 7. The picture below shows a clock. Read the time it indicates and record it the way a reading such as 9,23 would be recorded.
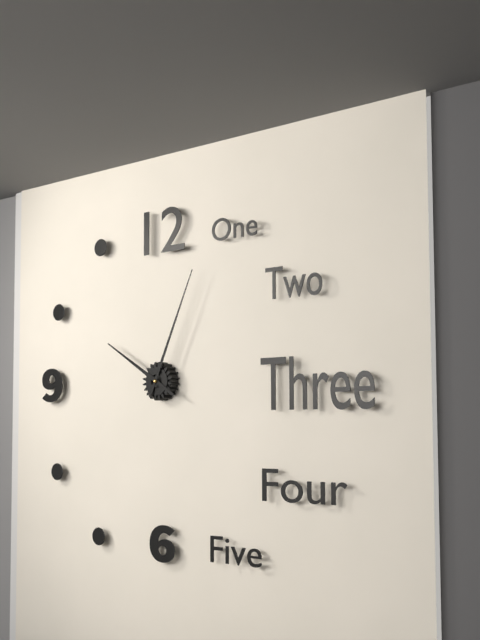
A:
10,04
